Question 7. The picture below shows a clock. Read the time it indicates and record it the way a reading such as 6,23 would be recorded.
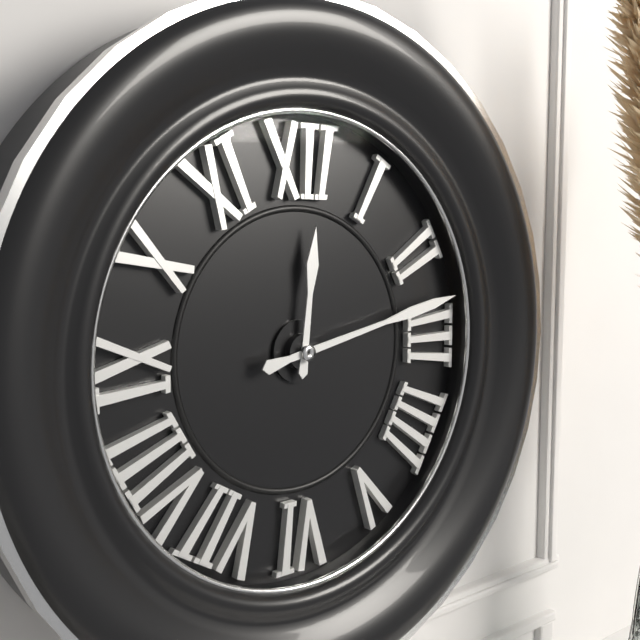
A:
12,13
